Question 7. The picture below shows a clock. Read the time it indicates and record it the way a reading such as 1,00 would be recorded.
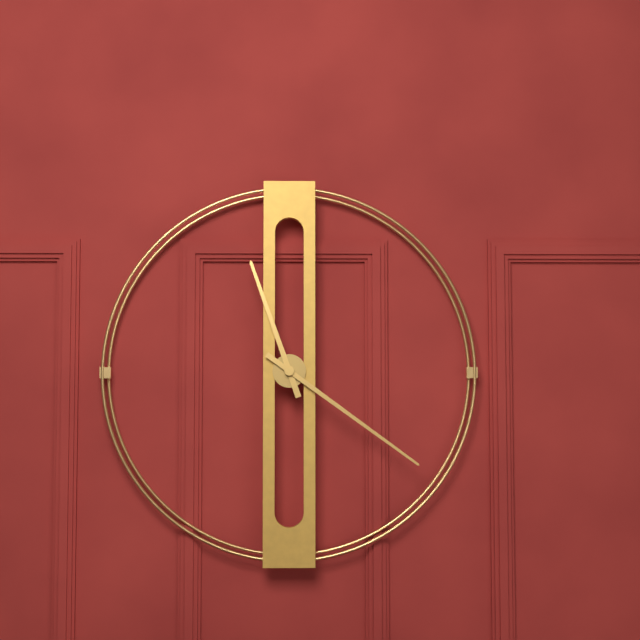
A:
11,21
